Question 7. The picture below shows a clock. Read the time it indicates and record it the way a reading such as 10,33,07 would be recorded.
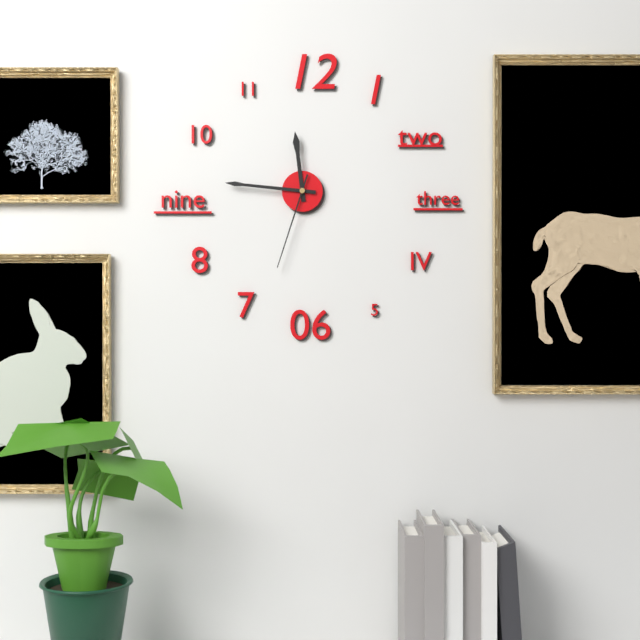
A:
11,46,33
